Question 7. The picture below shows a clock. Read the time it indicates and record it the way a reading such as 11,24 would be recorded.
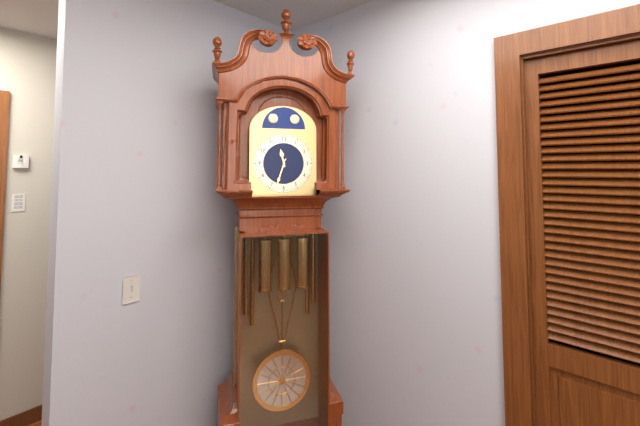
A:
11,33
